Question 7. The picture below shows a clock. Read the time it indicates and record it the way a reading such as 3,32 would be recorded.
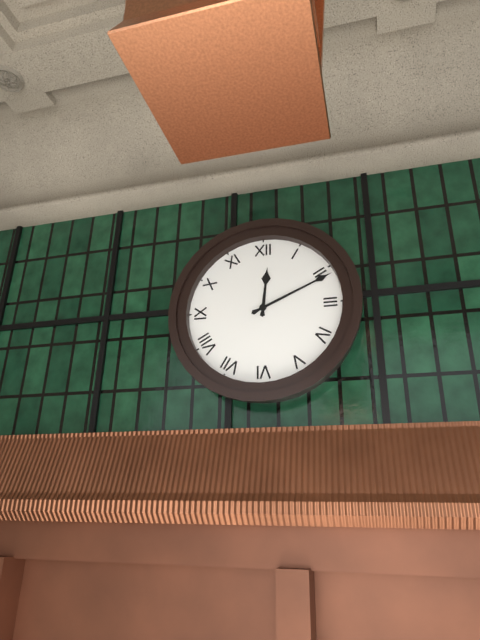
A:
12,11
